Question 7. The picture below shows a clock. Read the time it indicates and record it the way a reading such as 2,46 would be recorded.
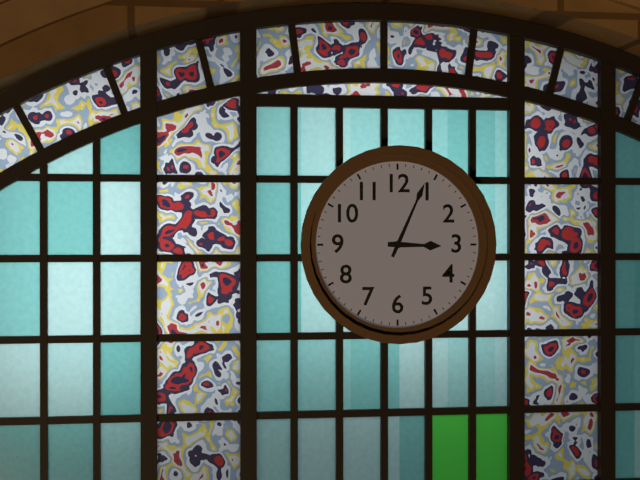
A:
3,04
